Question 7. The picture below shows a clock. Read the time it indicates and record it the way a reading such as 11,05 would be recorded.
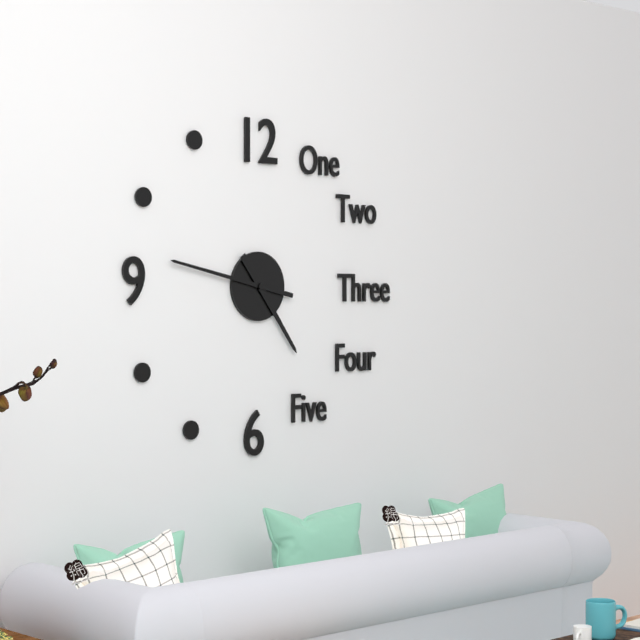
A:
4,47
